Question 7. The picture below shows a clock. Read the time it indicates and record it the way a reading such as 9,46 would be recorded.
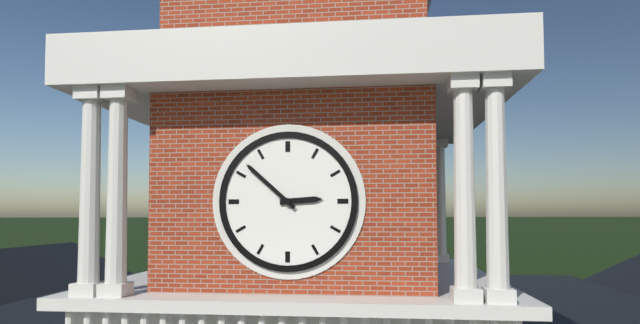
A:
2,52
